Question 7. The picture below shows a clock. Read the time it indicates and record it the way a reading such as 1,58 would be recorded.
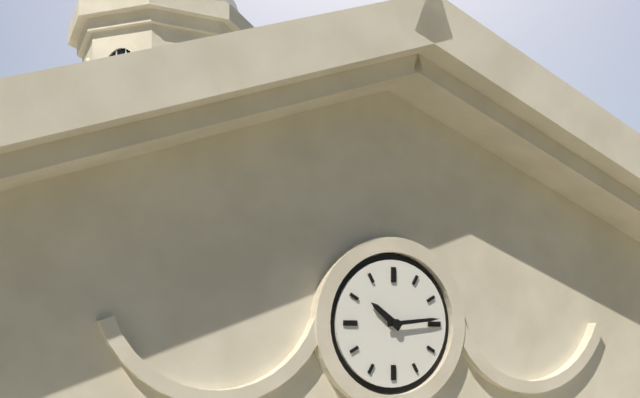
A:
10,14
